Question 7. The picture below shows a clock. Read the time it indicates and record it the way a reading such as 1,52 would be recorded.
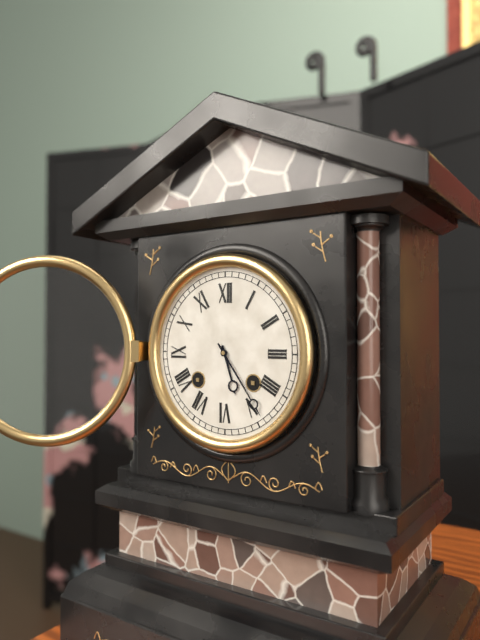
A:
5,24
